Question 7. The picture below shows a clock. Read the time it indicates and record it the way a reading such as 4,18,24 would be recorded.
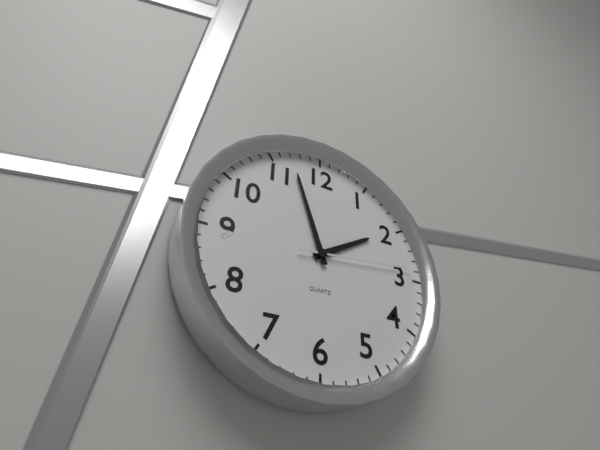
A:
1,57,14
